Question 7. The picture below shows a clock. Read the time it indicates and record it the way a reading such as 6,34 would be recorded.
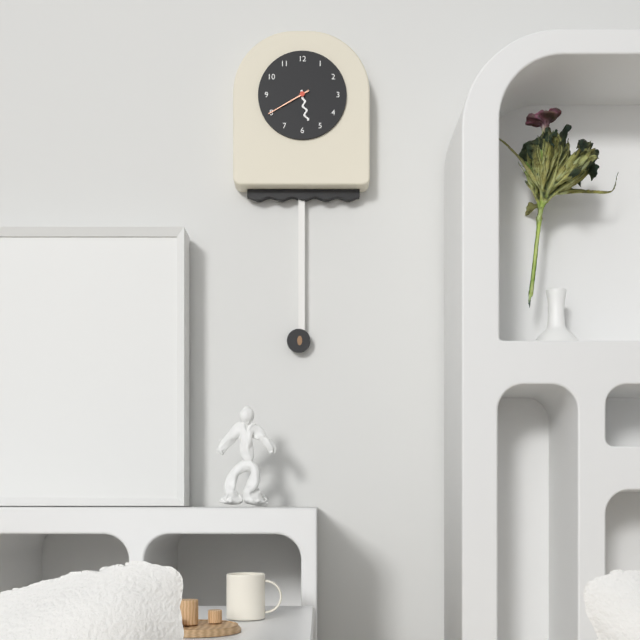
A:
5,40
